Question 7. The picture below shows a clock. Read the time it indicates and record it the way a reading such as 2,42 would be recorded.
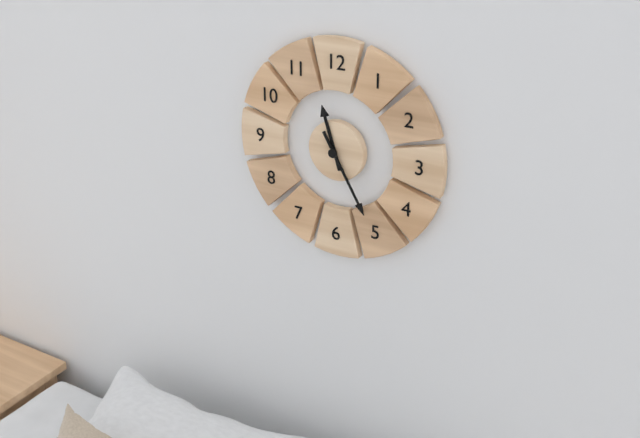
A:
11,25
